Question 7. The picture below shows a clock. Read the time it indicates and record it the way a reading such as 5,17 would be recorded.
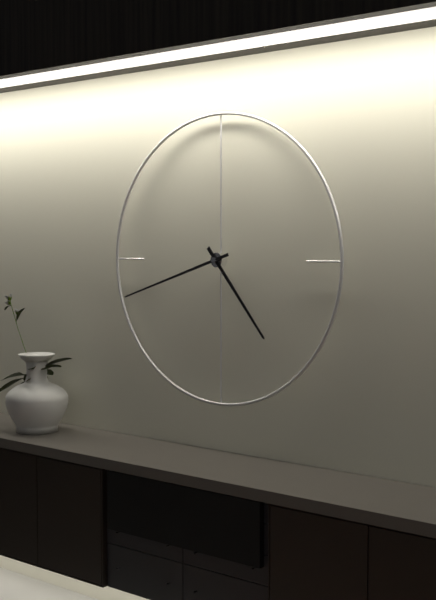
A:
4,42
